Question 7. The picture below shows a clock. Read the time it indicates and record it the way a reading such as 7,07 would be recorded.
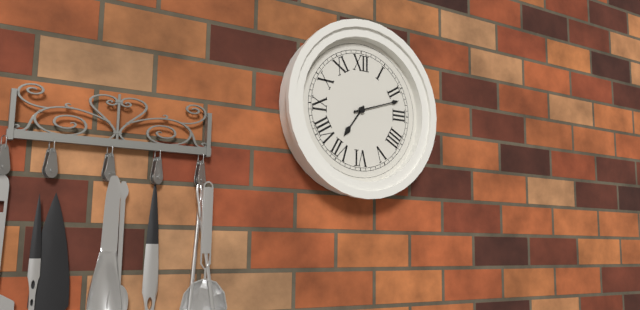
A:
7,12
